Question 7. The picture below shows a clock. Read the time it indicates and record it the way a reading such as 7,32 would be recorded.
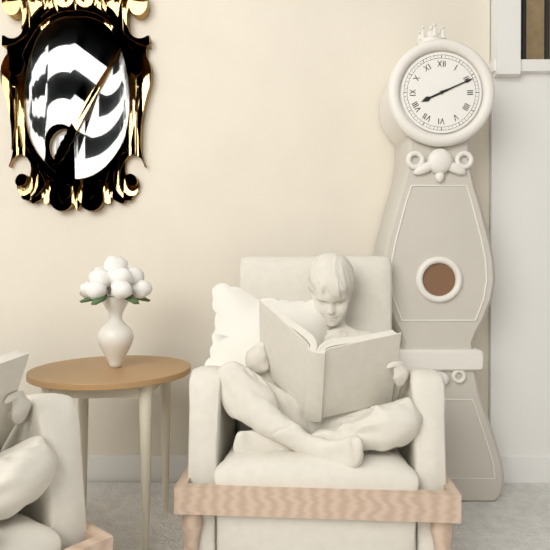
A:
8,11
